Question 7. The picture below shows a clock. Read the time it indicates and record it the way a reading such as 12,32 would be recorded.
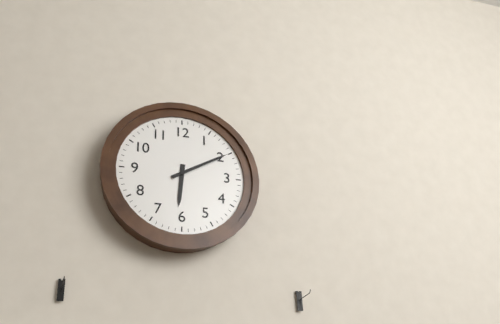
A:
6,10
